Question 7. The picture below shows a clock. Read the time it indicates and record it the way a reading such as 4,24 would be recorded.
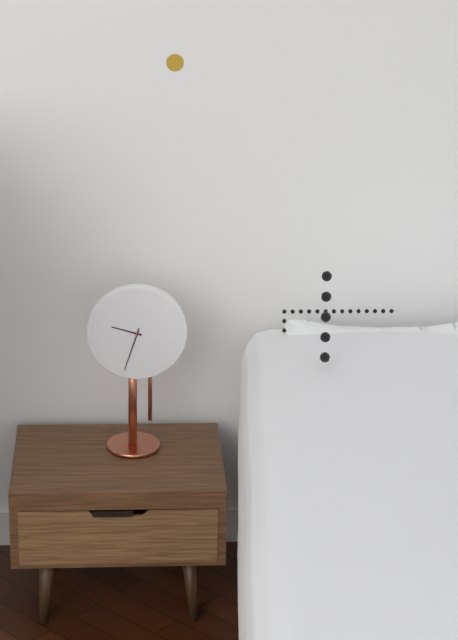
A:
9,33
